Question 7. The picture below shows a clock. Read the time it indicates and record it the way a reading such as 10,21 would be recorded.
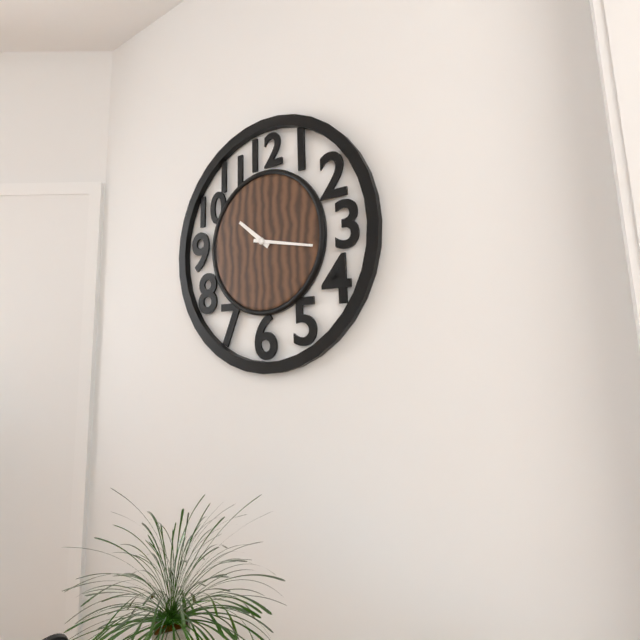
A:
10,17
